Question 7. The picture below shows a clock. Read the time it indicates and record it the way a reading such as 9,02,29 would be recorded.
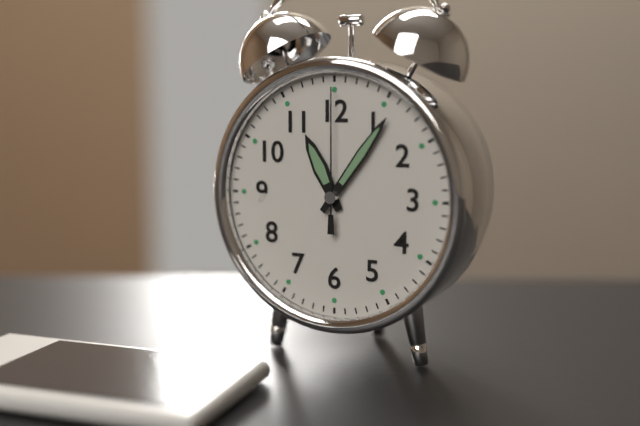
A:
11,06,00
